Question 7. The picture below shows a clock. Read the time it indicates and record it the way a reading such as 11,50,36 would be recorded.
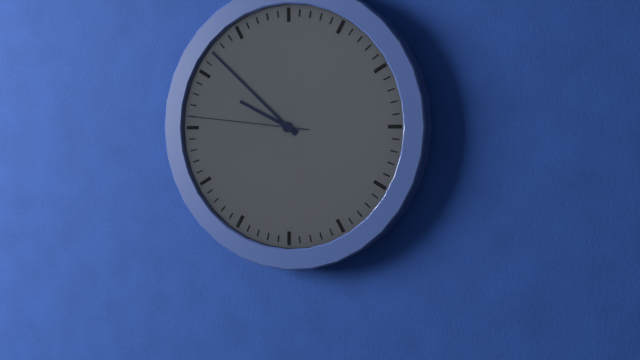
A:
9,52,46
